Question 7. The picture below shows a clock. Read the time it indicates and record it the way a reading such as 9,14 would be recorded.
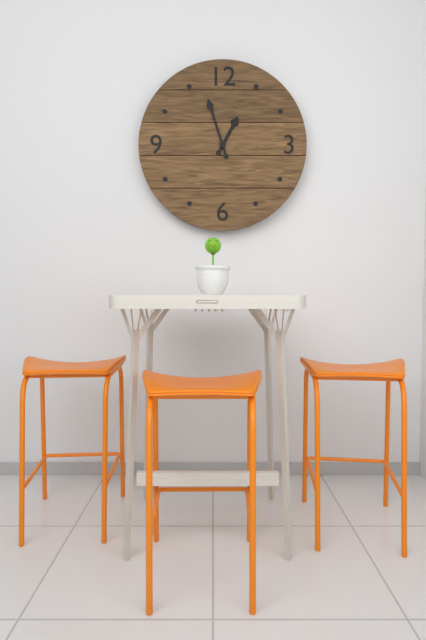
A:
12,57
